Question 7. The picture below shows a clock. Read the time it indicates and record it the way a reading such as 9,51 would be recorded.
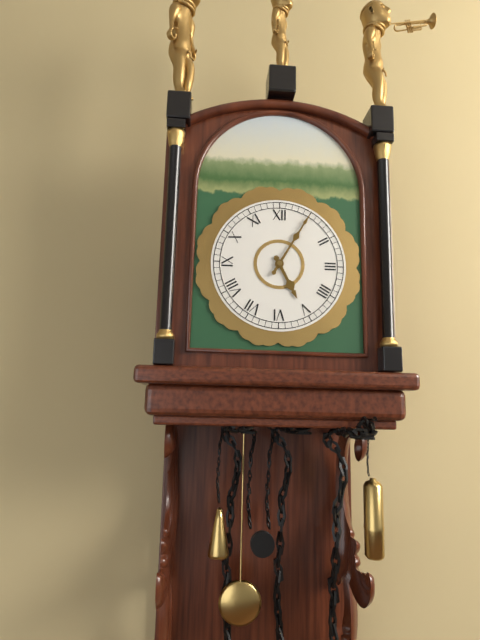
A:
5,05
